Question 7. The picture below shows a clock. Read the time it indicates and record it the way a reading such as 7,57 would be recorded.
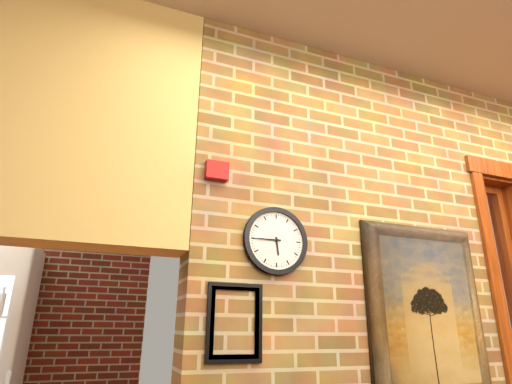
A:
5,45
